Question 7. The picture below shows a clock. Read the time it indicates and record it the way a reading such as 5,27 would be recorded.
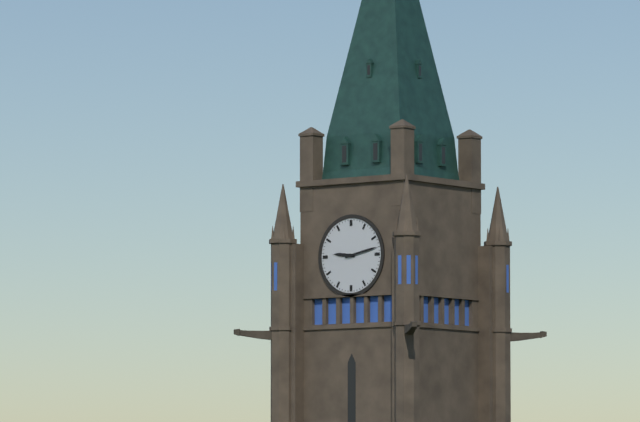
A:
9,13
